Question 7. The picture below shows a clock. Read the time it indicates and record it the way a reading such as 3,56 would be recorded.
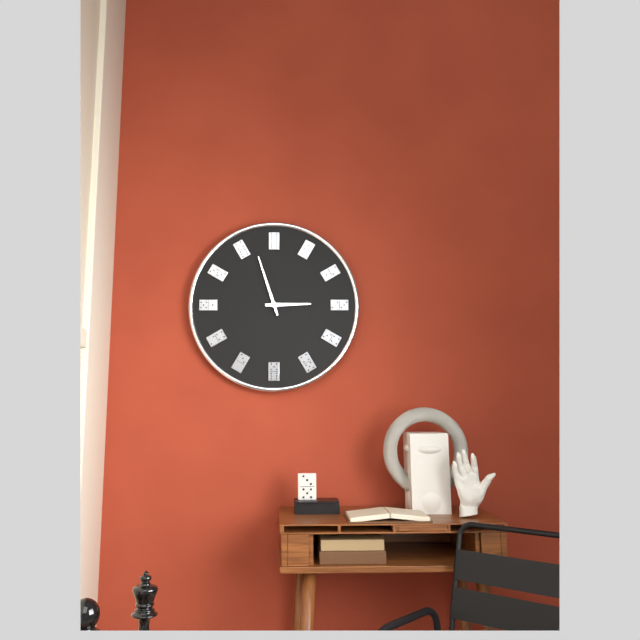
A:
2,57
